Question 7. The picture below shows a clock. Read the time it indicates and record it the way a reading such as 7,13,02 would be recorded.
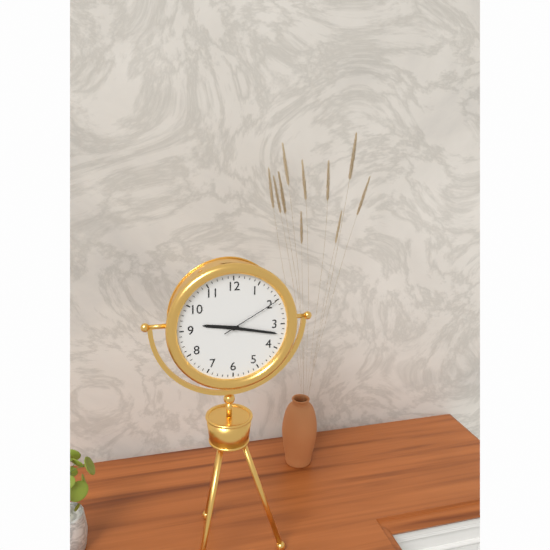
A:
9,17,10
